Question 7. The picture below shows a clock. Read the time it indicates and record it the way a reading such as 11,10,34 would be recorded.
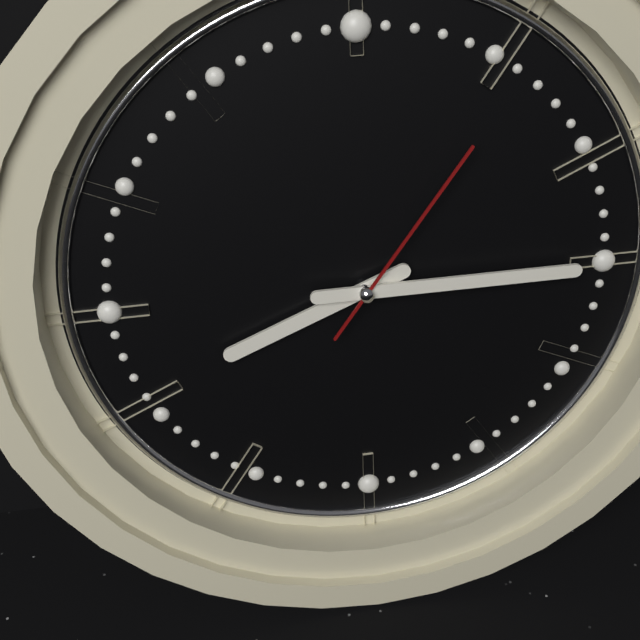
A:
8,15,06
